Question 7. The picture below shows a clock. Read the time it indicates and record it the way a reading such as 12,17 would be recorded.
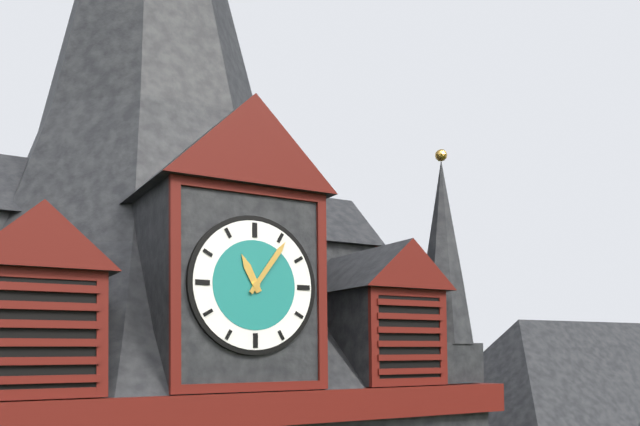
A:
11,06
